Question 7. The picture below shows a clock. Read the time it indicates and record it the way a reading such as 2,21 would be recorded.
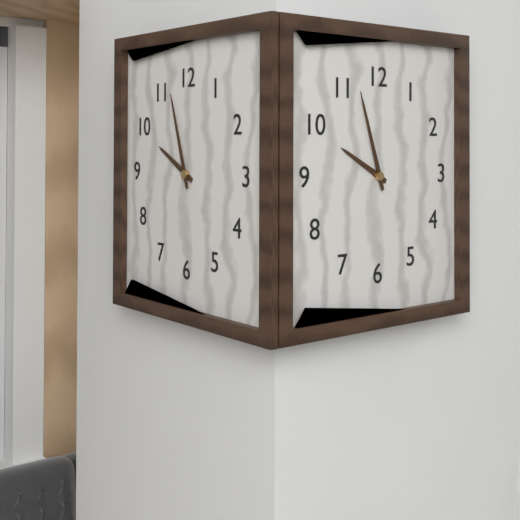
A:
9,57
